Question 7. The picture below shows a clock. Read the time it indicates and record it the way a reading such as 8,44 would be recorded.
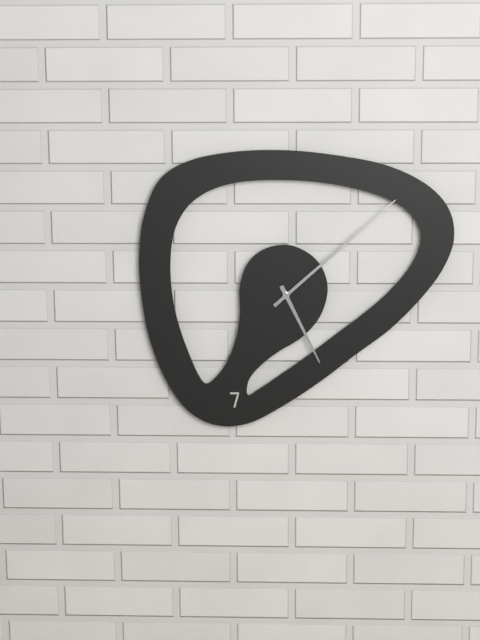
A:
5,08
